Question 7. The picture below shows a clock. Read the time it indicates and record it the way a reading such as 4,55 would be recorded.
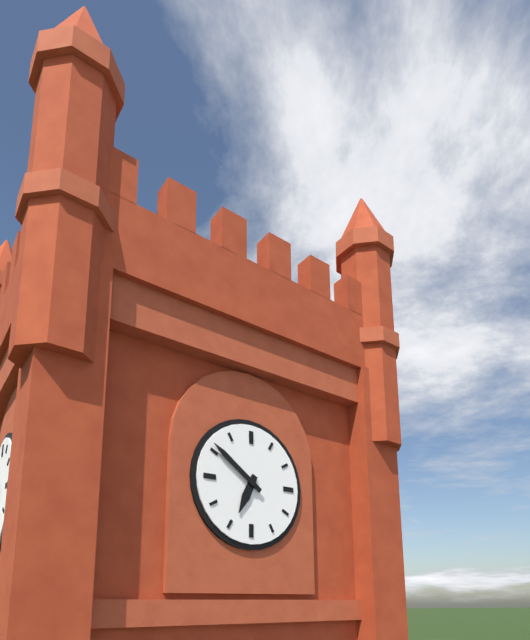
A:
6,51
